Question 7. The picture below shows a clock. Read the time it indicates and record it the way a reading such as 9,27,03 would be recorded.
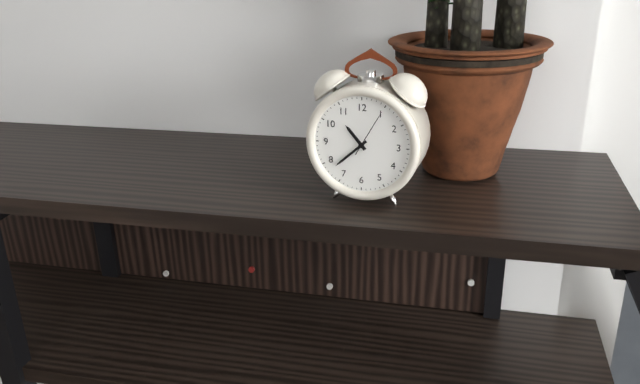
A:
10,38,05
